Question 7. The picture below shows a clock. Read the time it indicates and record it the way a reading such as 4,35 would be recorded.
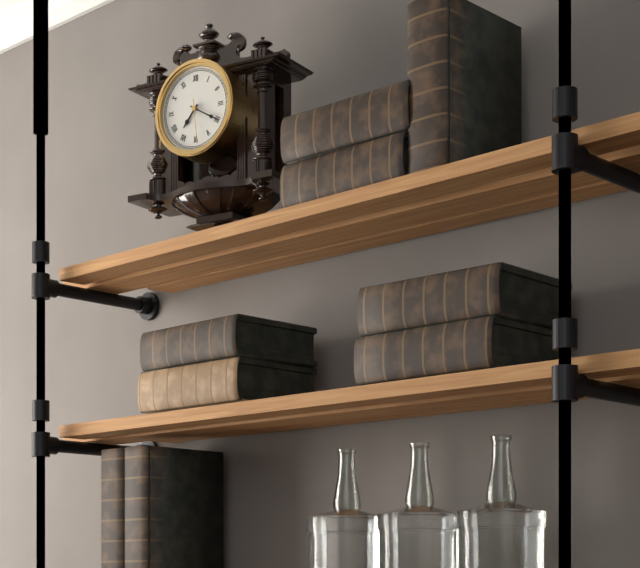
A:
7,20
